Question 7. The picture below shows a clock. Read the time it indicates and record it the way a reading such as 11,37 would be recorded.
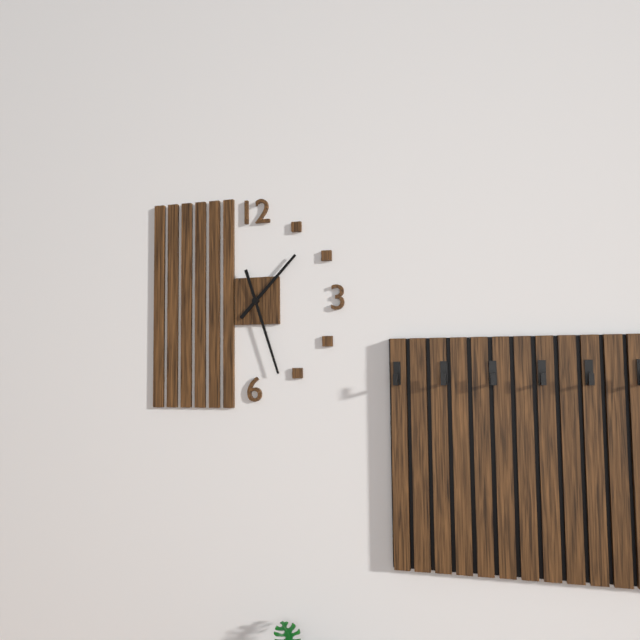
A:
1,27
